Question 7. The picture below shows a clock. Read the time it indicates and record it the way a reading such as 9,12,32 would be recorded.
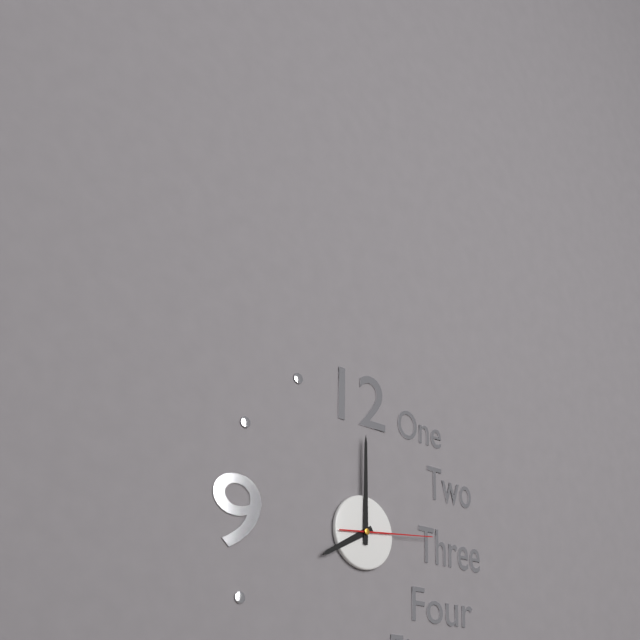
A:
8,00,14
